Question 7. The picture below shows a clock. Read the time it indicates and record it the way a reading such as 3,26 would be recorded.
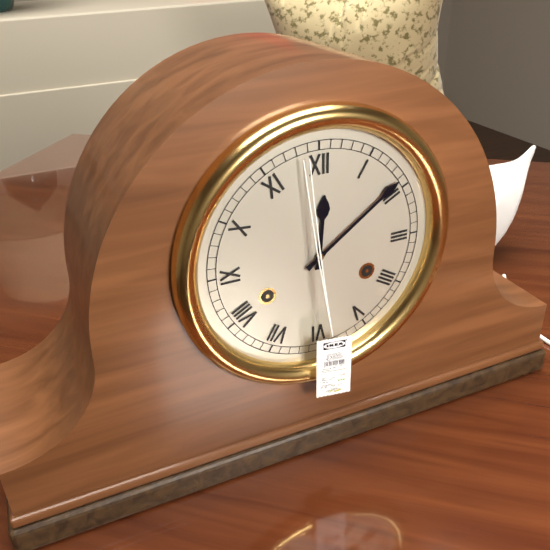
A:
12,09
